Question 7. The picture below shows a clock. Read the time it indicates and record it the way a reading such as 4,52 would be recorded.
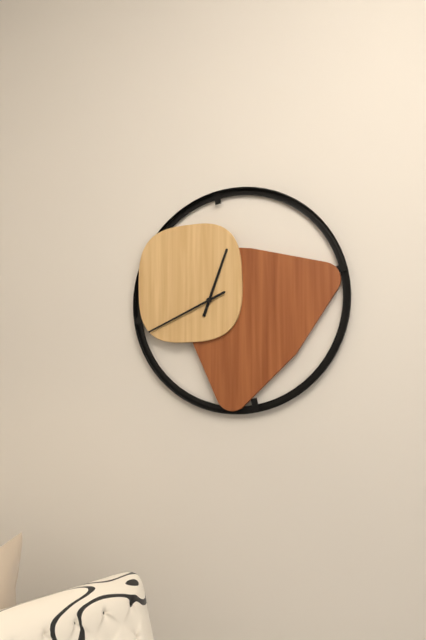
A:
12,41
